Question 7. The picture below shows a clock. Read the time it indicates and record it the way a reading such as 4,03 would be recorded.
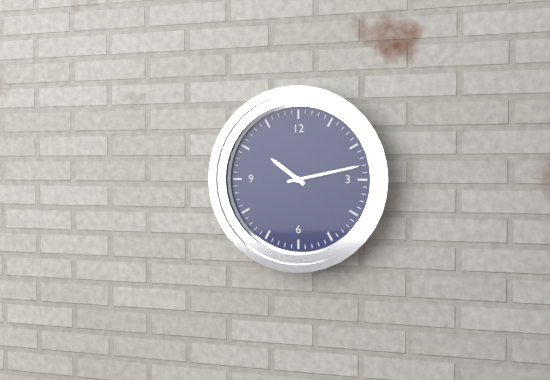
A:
10,13
